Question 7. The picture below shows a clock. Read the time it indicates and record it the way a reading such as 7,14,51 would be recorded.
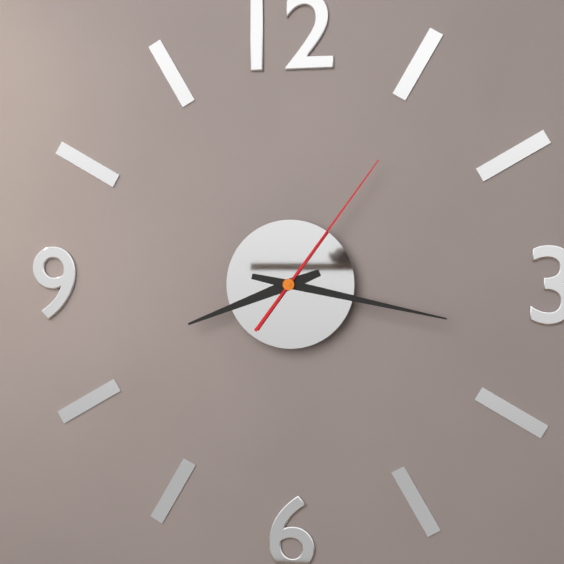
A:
8,17,06
